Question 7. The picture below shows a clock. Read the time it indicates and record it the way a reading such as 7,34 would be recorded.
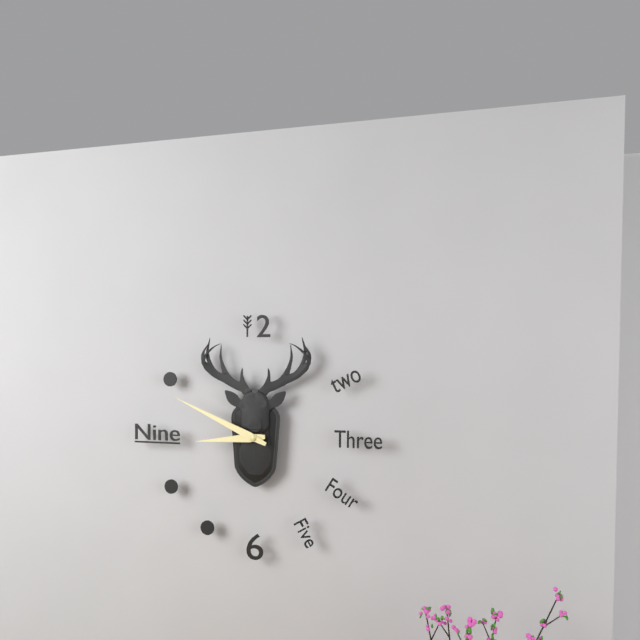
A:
8,49
